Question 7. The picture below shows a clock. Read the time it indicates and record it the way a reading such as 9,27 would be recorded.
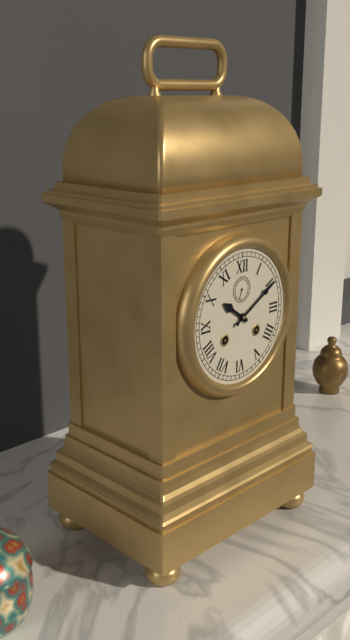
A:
10,10
